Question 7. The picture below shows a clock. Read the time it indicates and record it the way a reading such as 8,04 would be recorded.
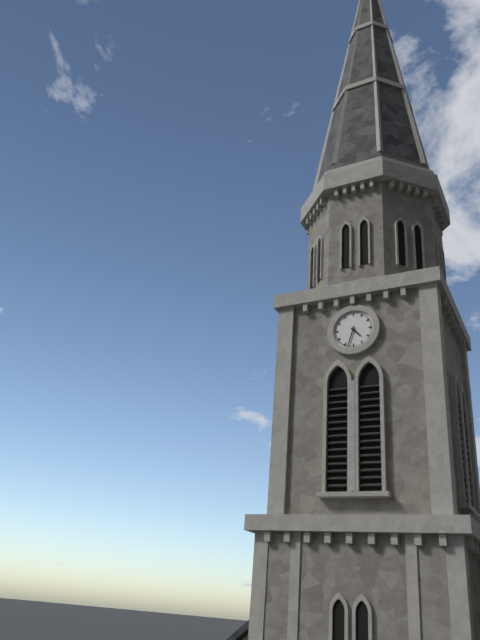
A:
4,33
